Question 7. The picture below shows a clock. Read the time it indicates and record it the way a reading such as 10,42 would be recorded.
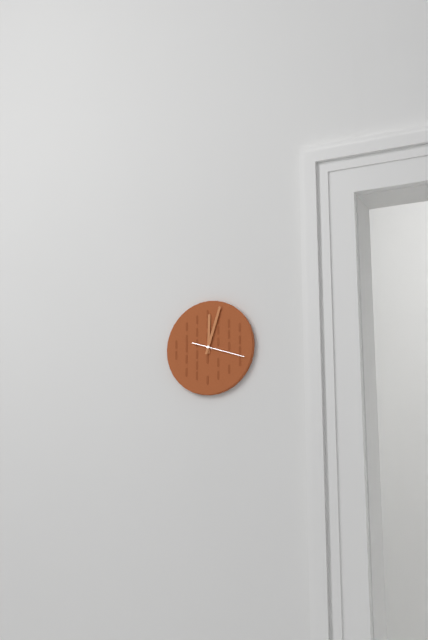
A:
12,03
